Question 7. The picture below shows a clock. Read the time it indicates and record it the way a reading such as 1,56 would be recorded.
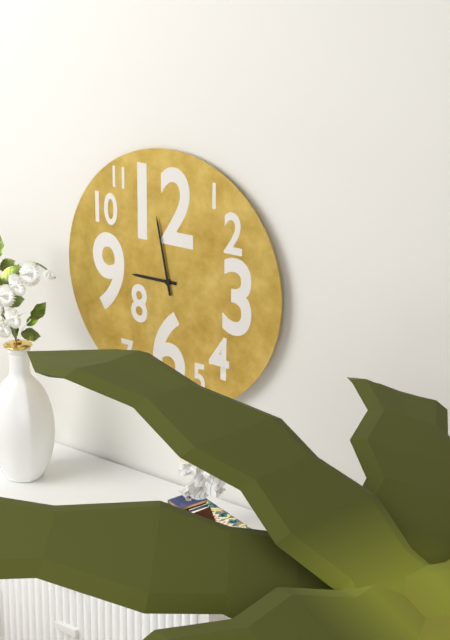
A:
8,58
